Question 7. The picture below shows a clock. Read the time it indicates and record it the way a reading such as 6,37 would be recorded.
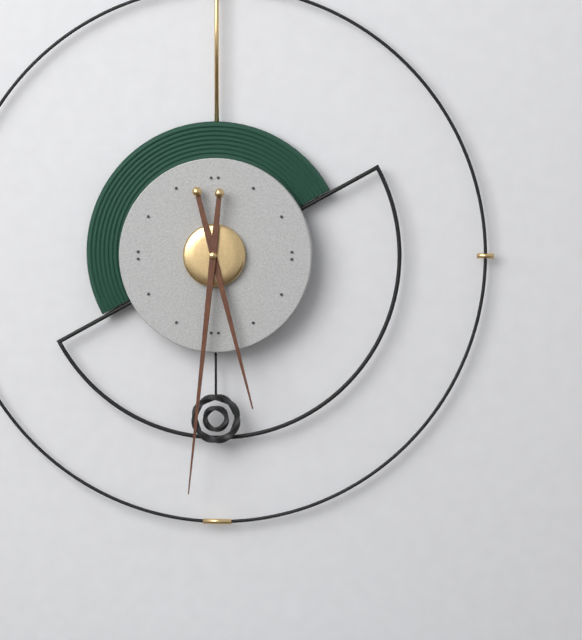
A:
5,31
